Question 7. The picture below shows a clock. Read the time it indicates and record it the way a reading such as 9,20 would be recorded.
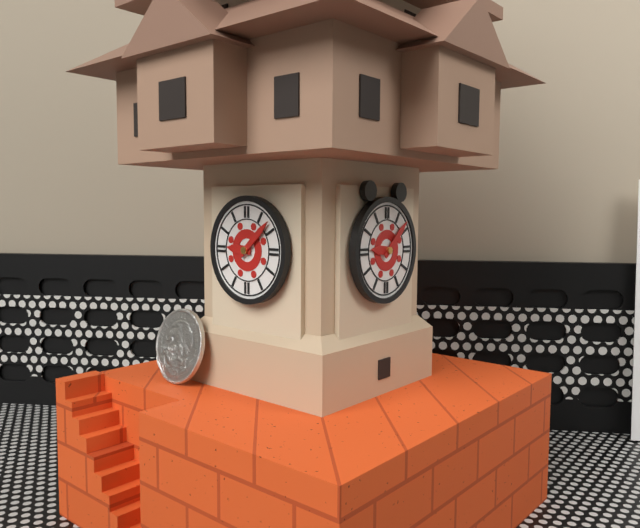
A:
9,08
